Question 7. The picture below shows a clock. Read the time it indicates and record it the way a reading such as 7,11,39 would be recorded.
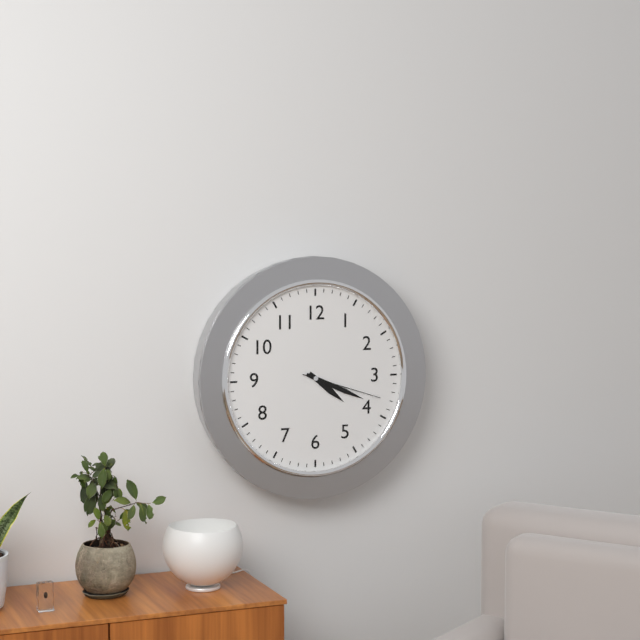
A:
4,19,18
